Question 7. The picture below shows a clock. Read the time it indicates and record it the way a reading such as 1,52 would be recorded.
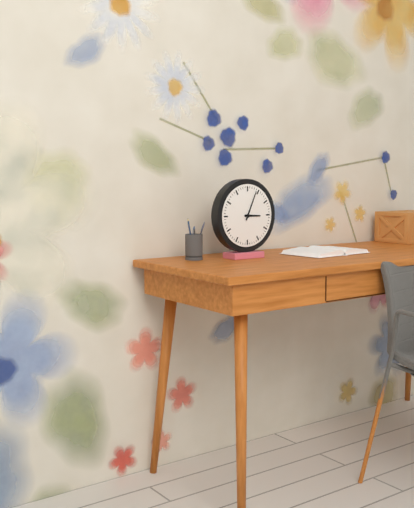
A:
3,04
